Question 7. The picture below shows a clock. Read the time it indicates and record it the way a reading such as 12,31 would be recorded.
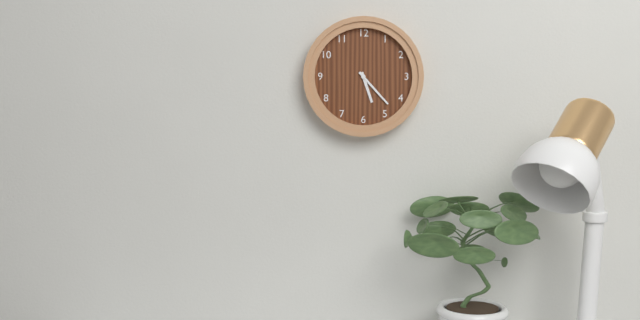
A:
5,23
